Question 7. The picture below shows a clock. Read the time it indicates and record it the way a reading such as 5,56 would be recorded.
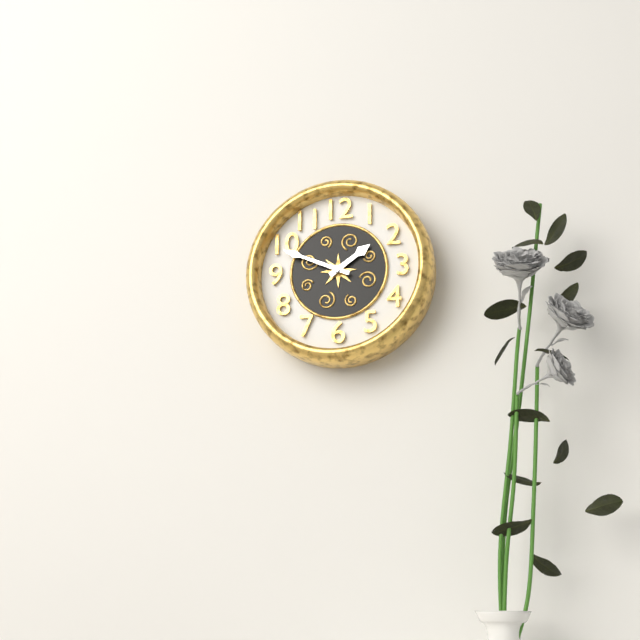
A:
1,49
